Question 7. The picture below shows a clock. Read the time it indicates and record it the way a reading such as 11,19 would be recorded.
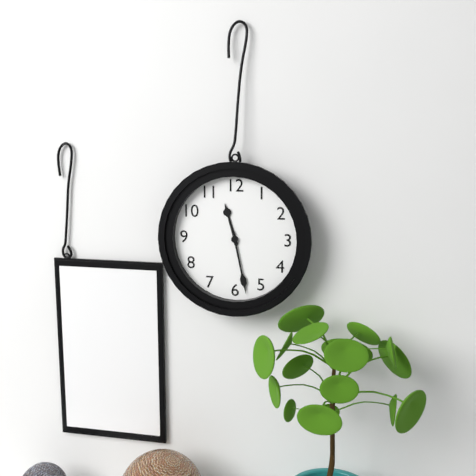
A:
11,28
